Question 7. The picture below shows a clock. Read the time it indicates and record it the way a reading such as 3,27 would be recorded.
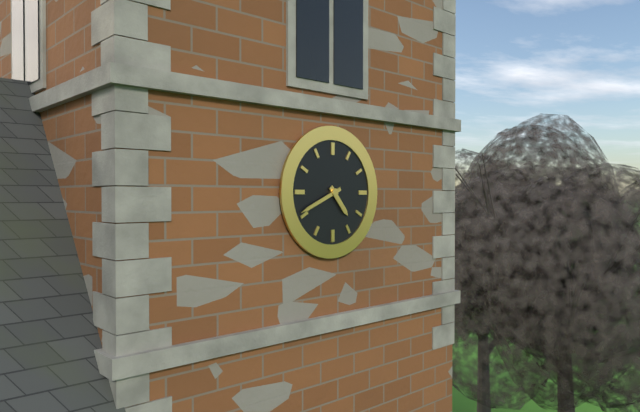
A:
4,41
